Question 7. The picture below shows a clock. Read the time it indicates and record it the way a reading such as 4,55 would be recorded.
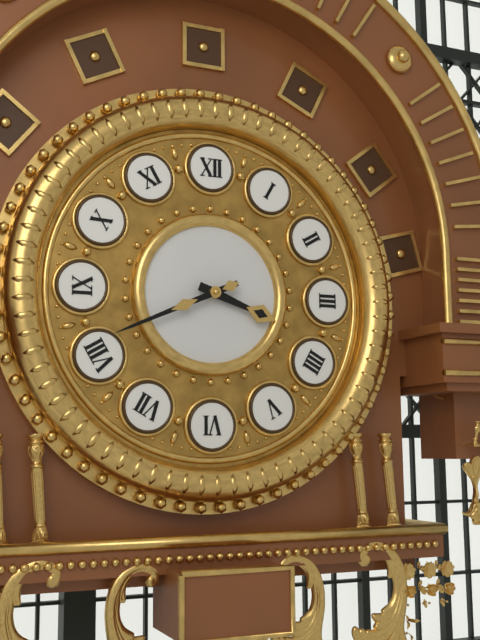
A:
3,41
